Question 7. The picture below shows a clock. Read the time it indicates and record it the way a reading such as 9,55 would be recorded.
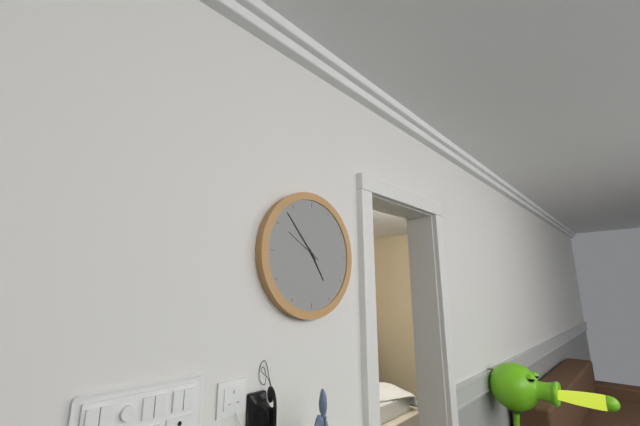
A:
4,53
